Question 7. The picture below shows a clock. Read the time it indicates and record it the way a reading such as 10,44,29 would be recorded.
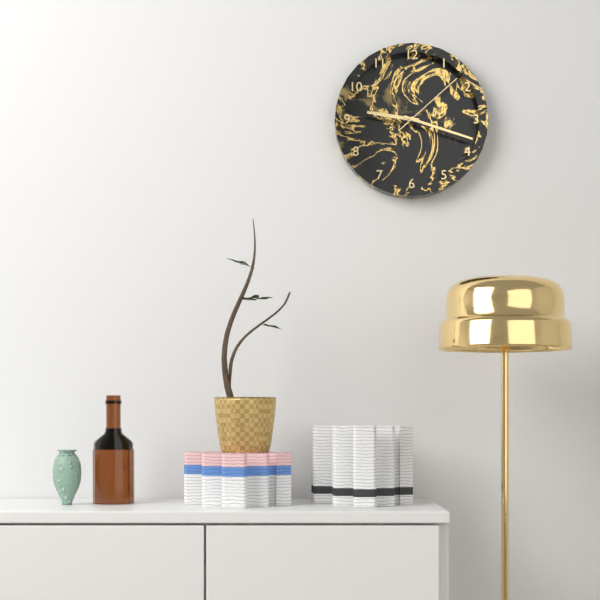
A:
9,18,08
